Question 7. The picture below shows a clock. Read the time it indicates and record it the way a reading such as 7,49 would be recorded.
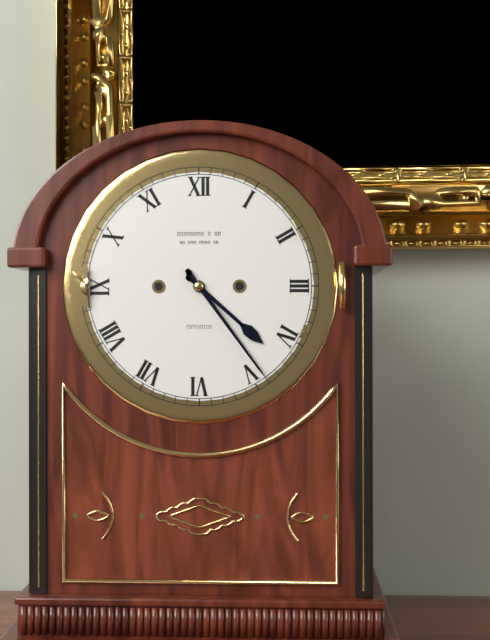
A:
4,24
